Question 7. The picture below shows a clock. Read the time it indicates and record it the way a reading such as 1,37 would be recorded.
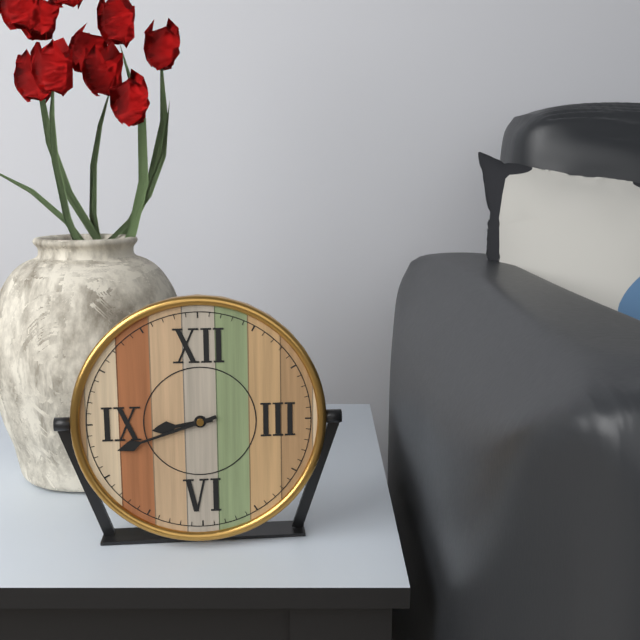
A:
8,42
